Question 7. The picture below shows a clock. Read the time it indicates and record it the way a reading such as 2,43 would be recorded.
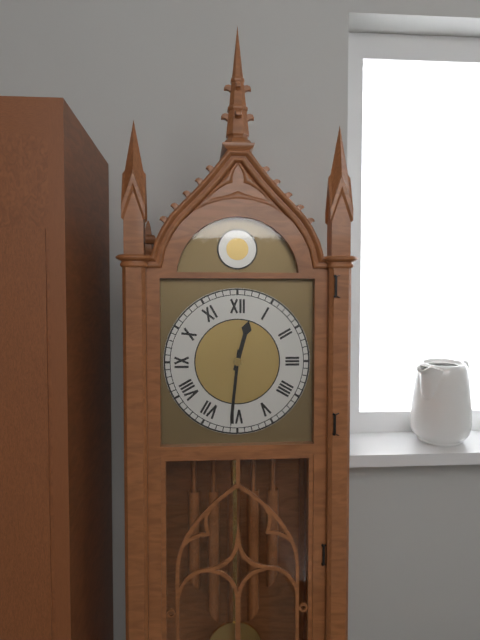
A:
12,31
